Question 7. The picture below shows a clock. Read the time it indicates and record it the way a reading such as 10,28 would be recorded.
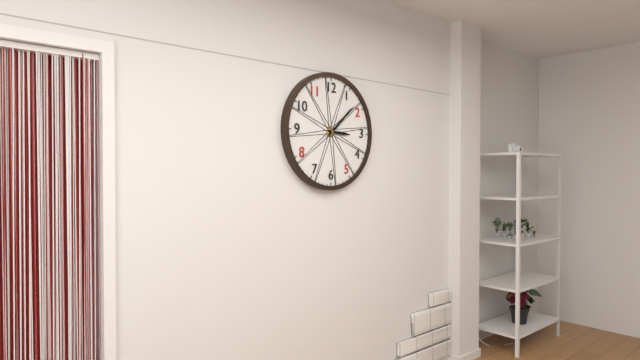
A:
3,08
